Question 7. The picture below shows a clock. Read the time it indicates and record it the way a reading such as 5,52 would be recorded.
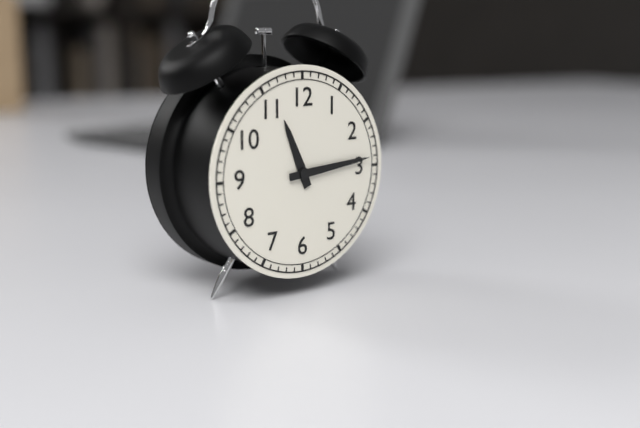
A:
11,14
